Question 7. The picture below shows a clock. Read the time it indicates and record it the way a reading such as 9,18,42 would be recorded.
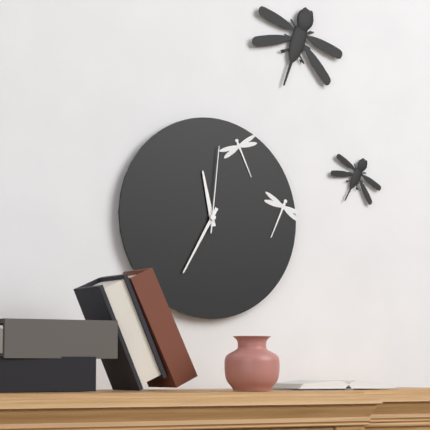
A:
11,35,01
